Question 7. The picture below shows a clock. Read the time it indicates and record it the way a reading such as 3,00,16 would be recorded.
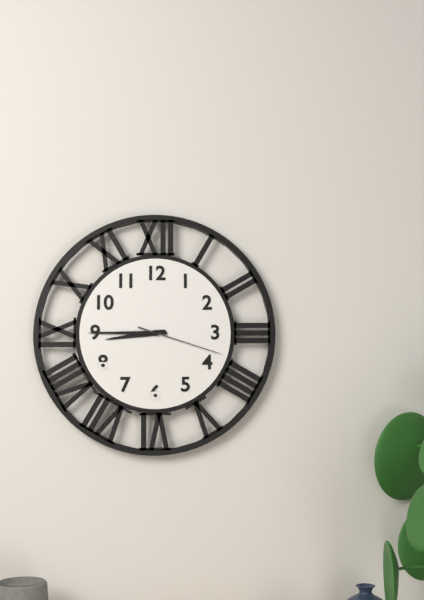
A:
8,45,18
